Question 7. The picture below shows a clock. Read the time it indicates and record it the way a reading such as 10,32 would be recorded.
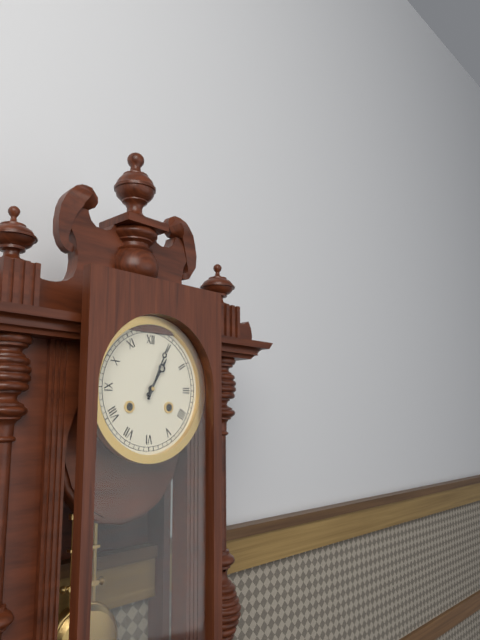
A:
1,04
